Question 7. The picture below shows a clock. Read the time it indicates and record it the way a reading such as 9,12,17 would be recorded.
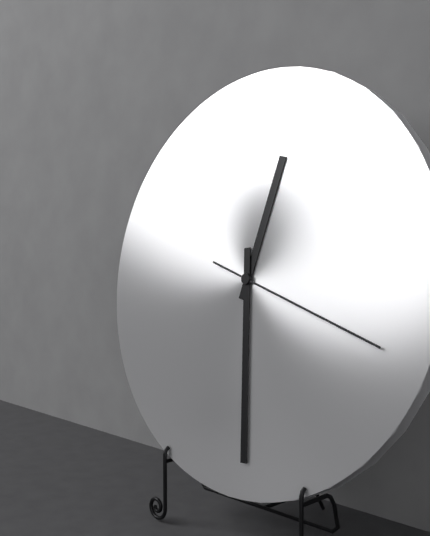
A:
12,29,18
